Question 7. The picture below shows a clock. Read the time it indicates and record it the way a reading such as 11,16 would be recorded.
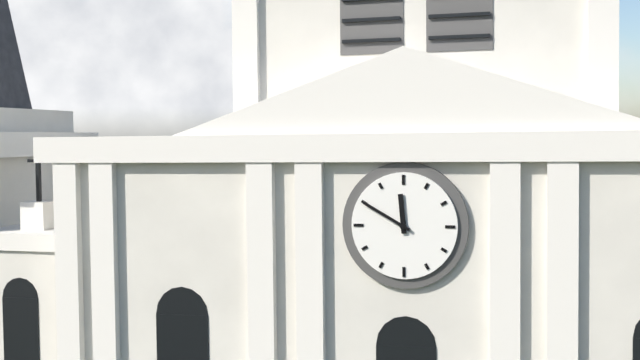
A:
11,50
